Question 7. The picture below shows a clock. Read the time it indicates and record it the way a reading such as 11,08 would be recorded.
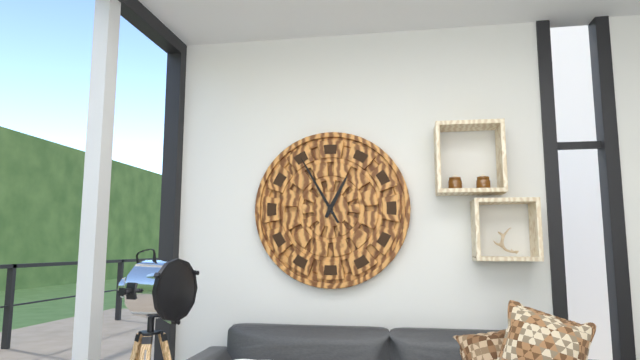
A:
12,55
